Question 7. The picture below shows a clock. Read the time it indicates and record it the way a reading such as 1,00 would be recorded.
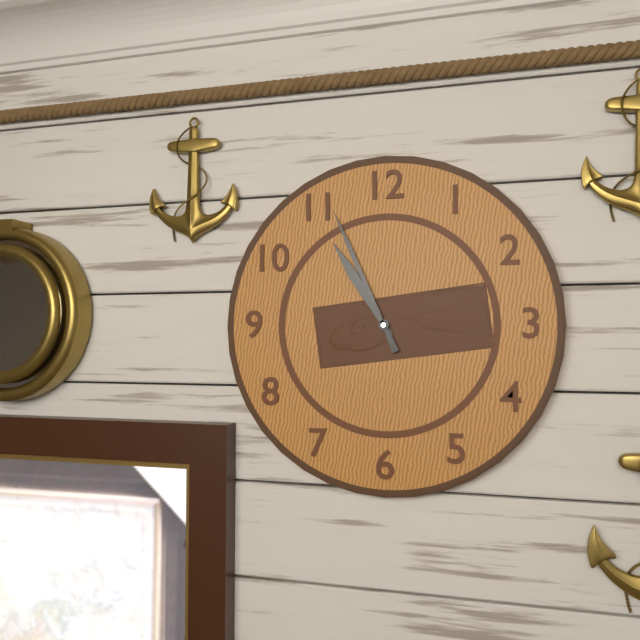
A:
10,56
